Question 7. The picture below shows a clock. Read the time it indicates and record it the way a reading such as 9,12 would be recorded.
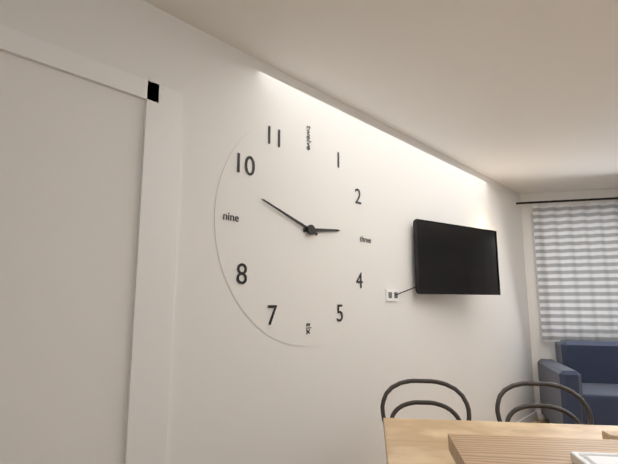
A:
2,48
